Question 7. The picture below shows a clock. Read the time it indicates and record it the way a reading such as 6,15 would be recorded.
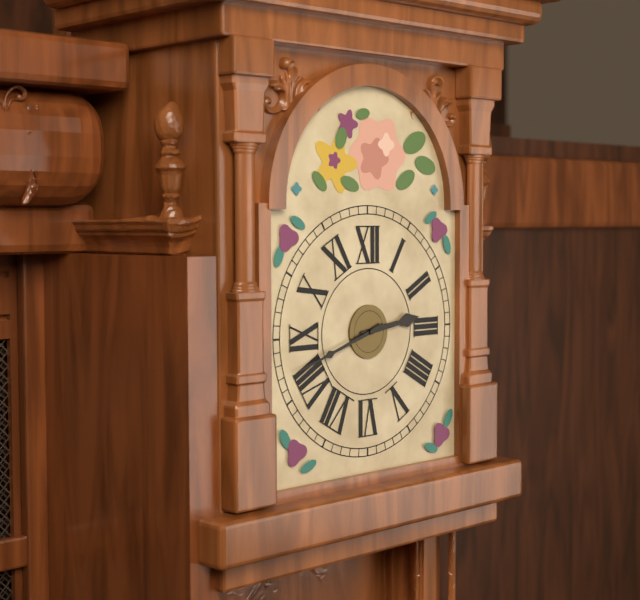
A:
2,42
